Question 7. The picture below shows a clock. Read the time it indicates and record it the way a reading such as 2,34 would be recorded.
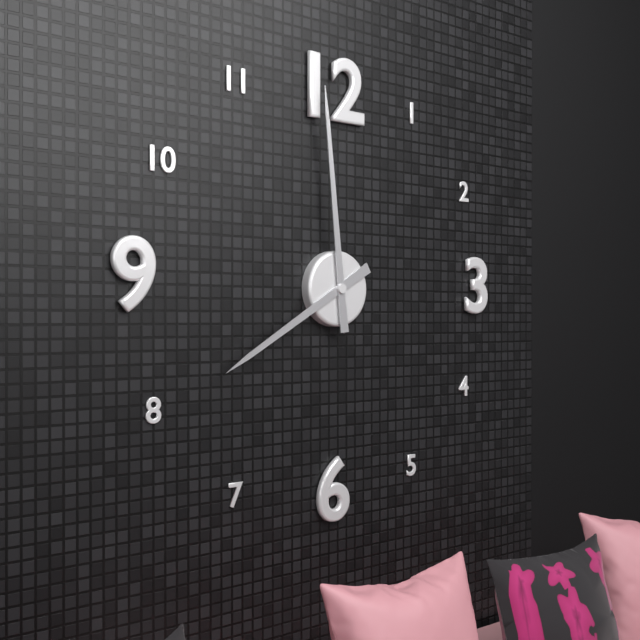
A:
7,59
